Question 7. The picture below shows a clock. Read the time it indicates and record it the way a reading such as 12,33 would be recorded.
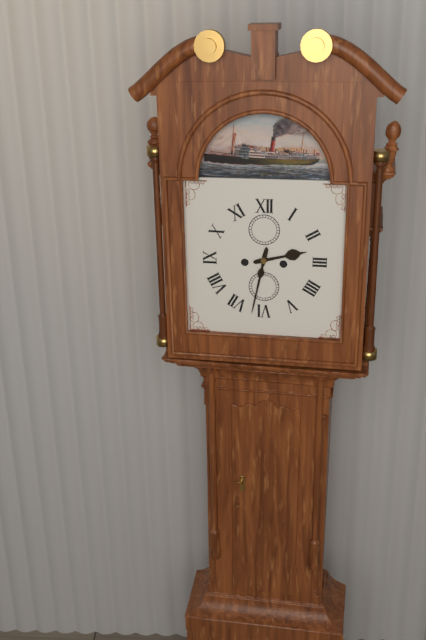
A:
2,32
